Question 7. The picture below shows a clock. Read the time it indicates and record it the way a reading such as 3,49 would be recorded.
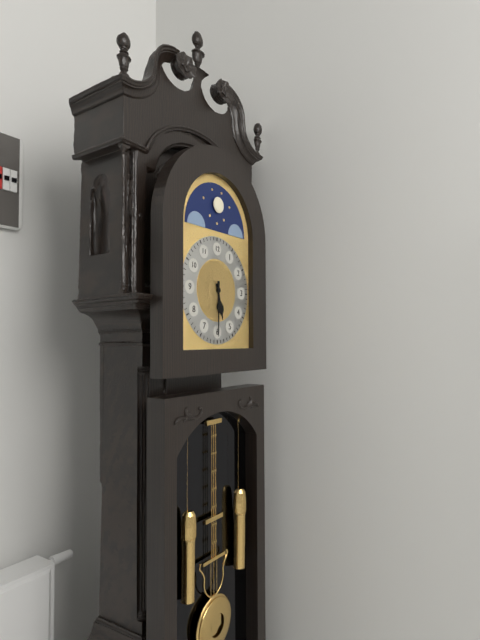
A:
5,30
